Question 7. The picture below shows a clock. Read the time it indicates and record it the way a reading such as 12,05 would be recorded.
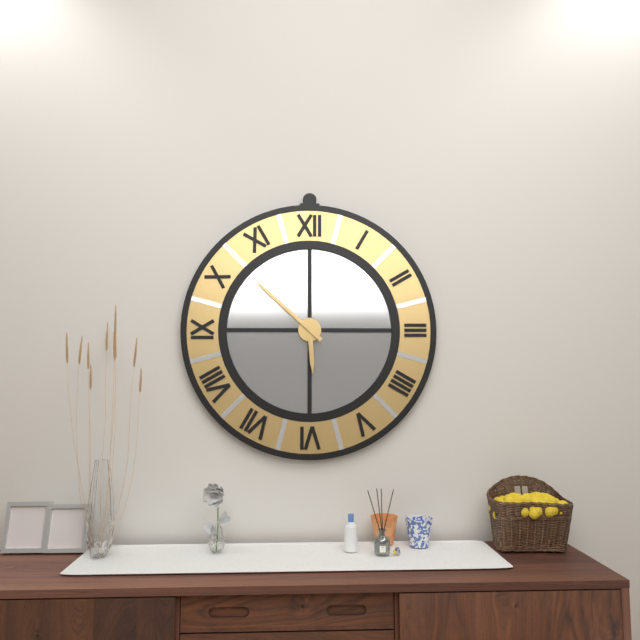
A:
5,52
